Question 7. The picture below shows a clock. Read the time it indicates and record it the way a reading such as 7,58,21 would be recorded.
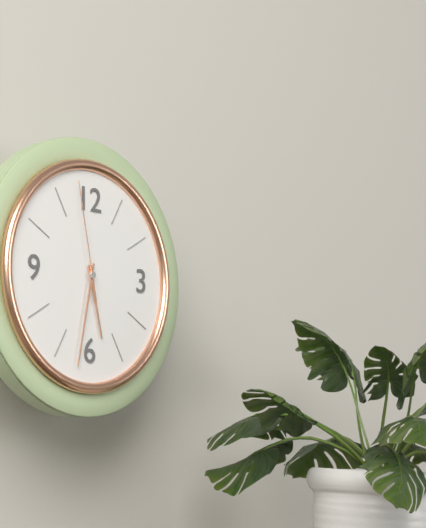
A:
5,32,58
